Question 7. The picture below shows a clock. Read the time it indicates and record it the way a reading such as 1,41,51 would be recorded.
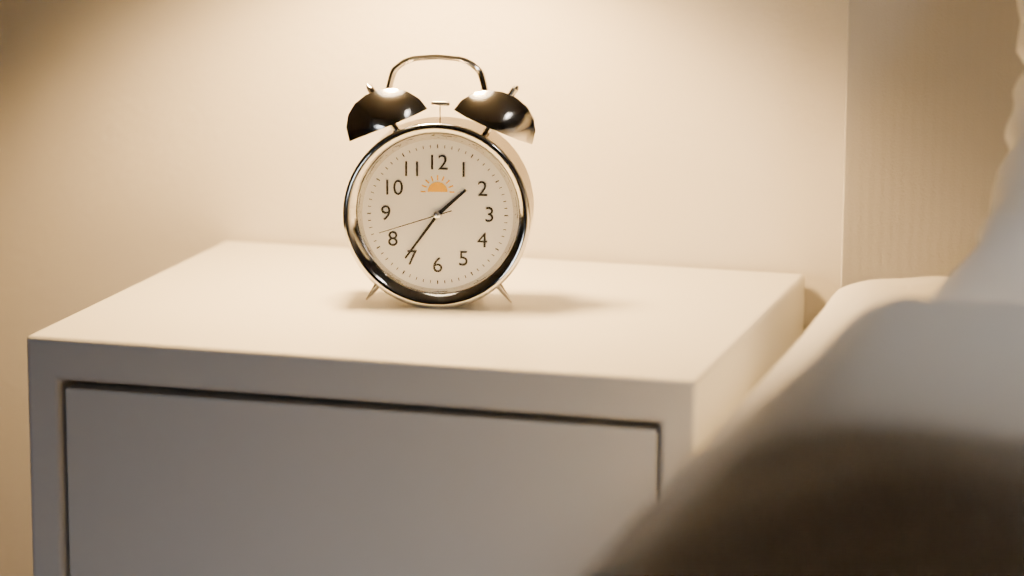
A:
1,36,42
